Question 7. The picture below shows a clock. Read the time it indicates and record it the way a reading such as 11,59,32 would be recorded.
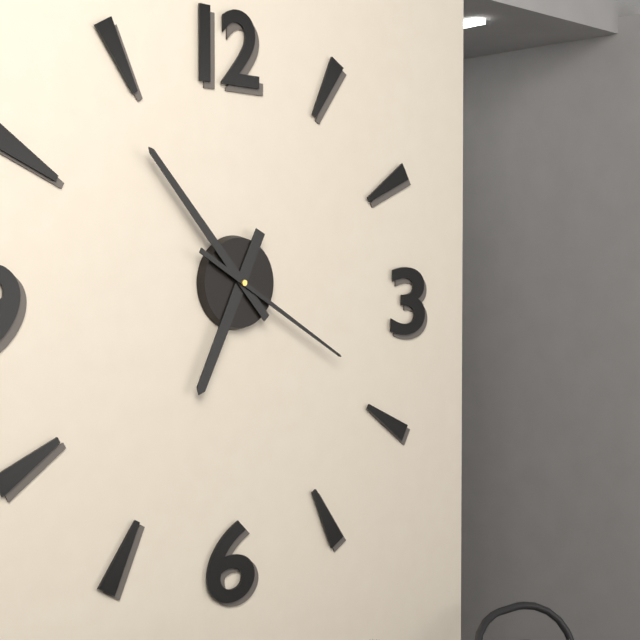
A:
6,53,20
